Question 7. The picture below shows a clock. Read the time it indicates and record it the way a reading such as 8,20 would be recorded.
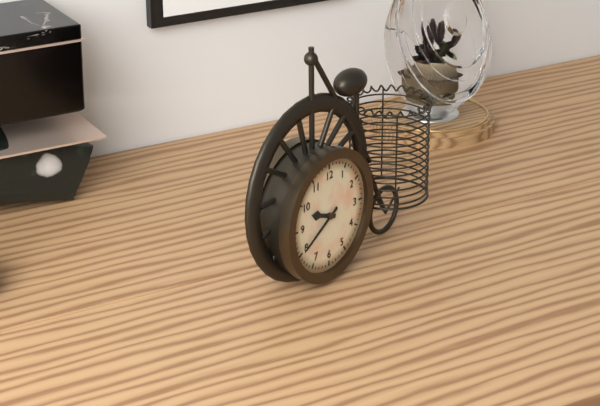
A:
9,40
